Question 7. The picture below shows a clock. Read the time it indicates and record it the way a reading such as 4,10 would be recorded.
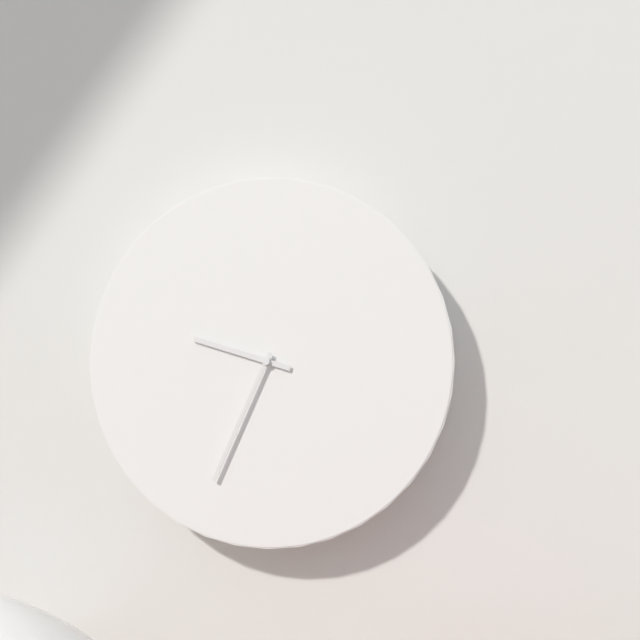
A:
9,34
